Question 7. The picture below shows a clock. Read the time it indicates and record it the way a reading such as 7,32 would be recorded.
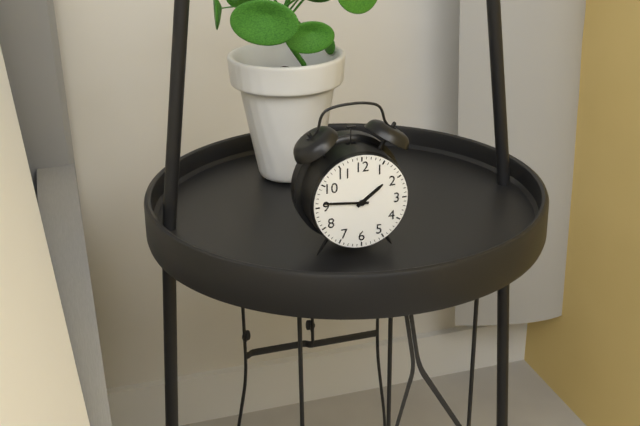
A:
1,46
